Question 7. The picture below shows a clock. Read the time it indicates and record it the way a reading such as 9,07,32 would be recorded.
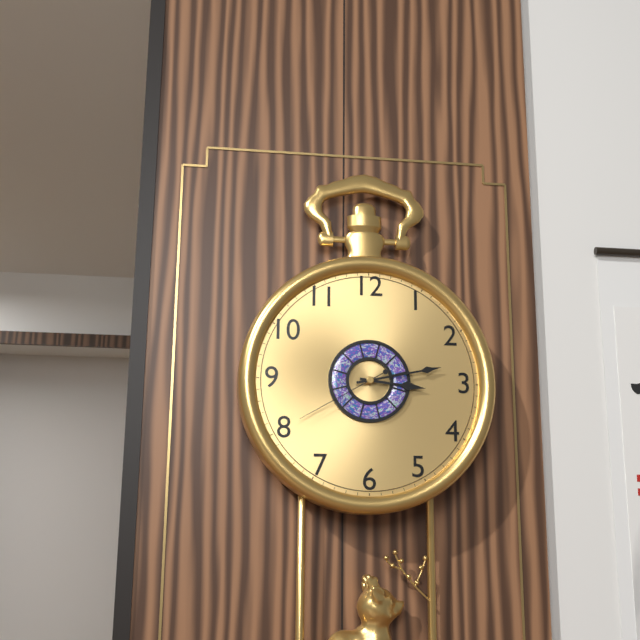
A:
3,13,40
